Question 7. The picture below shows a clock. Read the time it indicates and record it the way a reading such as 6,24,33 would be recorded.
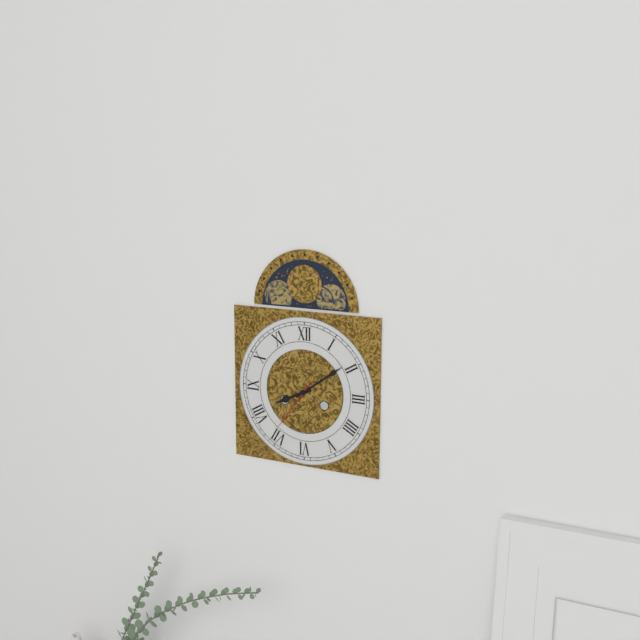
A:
8,09,36
